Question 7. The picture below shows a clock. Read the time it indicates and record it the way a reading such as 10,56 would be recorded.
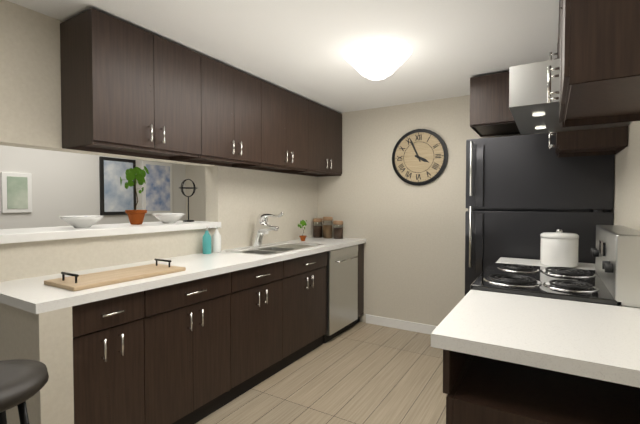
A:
3,56
